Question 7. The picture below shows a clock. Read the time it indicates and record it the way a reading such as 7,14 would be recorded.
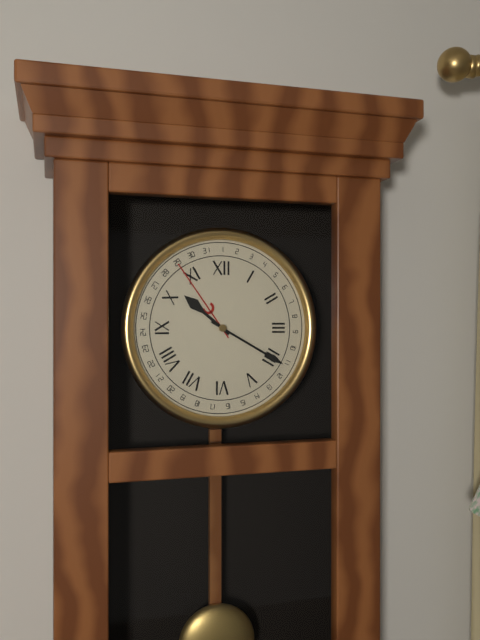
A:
10,20
